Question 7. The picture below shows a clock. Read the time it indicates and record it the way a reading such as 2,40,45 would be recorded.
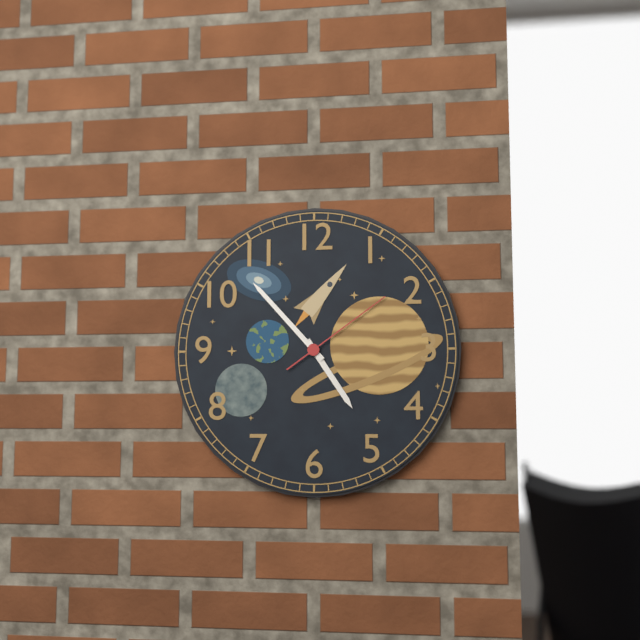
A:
4,53,09
